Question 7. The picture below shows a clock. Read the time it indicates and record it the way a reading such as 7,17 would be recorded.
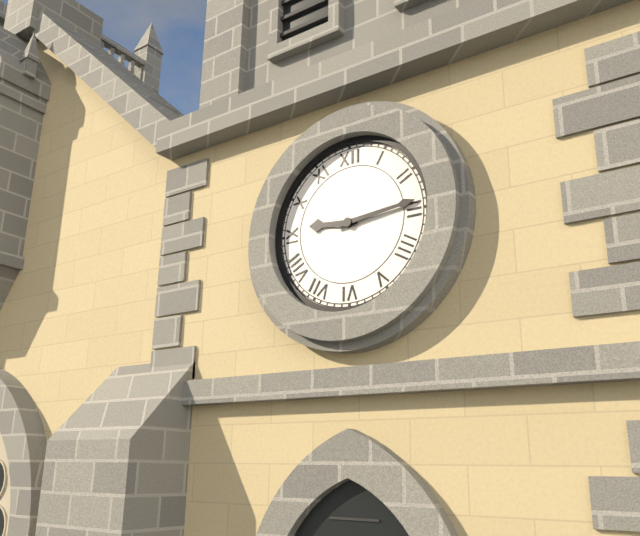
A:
9,14
